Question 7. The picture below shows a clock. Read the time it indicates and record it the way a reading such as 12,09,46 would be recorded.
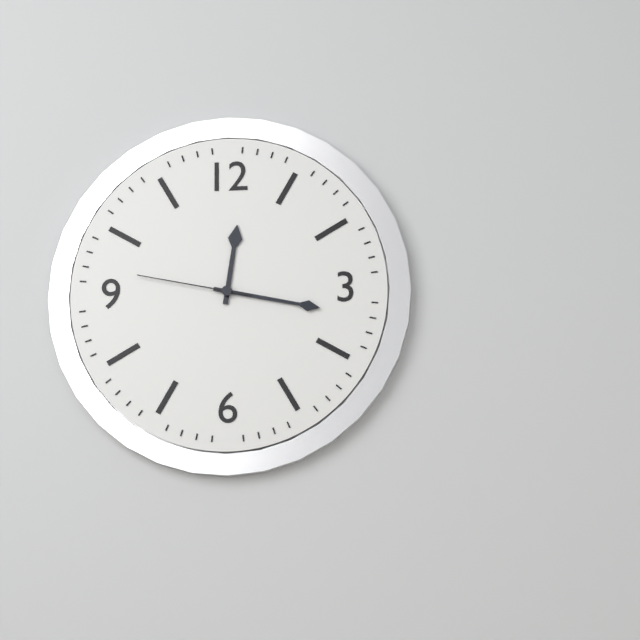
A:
12,17,47
